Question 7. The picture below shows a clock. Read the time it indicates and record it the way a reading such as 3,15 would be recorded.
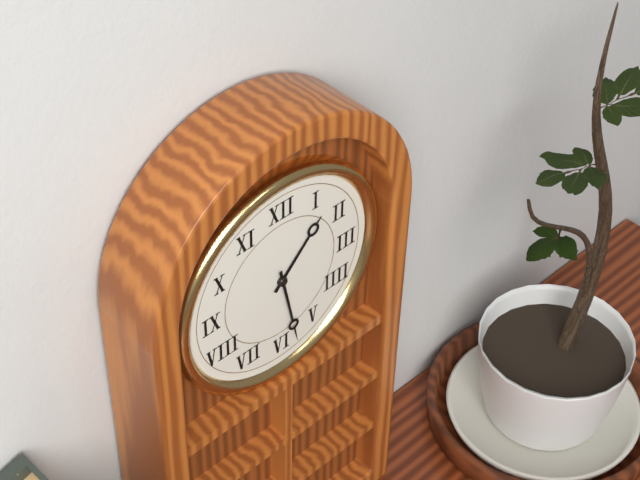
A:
1,28
